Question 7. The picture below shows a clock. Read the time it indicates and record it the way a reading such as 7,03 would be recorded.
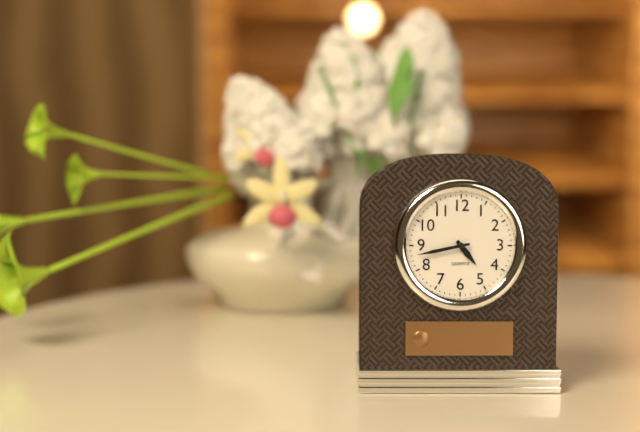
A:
4,43
